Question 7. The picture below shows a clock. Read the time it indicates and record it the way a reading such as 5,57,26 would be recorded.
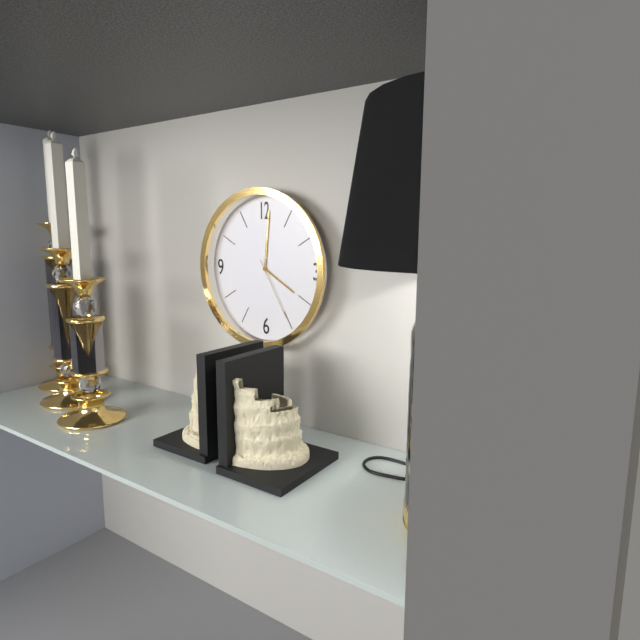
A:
4,01,25
